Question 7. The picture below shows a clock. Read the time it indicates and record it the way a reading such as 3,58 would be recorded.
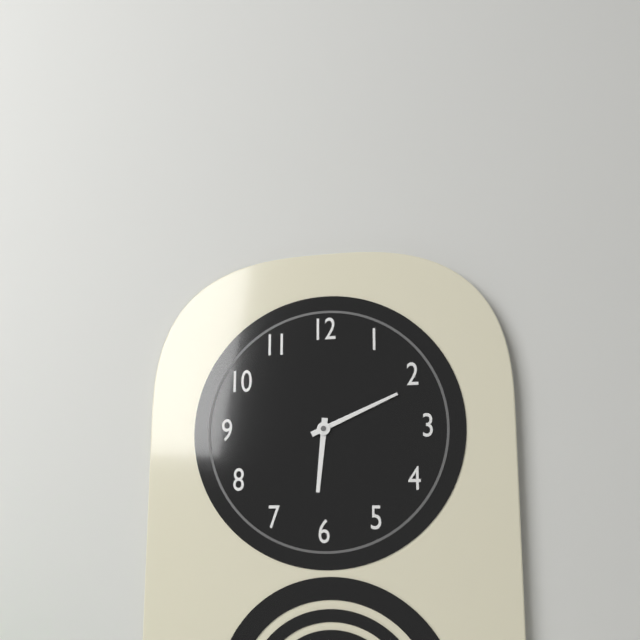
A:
6,11
